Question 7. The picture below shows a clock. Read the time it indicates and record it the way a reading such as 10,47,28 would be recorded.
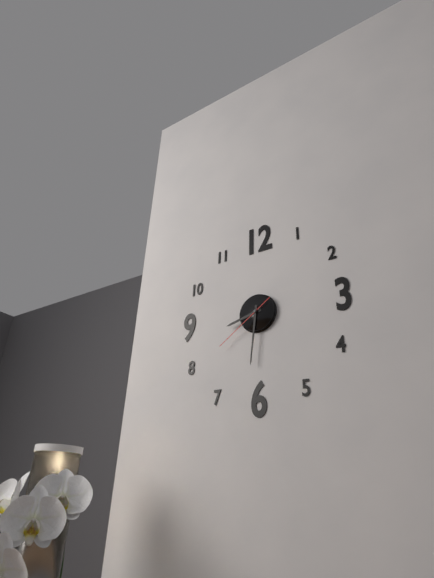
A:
8,31,39
